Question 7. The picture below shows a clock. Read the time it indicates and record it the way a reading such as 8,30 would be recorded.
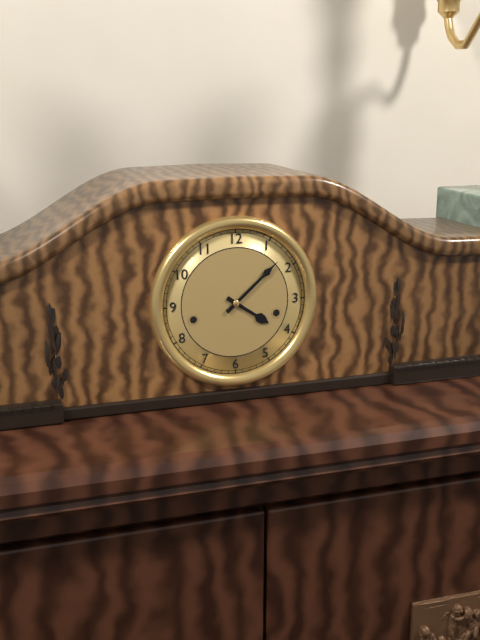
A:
4,08
